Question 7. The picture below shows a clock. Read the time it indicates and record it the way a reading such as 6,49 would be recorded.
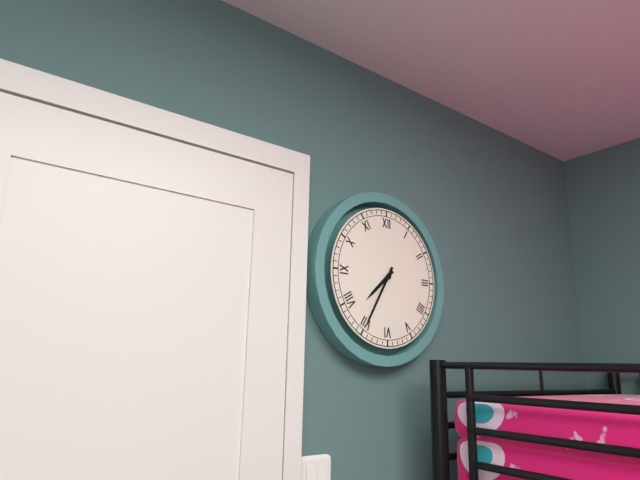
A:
7,35
